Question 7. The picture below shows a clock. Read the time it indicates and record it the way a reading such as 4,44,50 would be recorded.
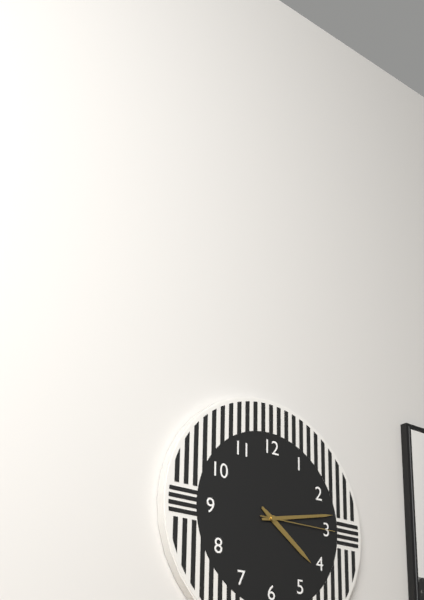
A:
4,13,15
